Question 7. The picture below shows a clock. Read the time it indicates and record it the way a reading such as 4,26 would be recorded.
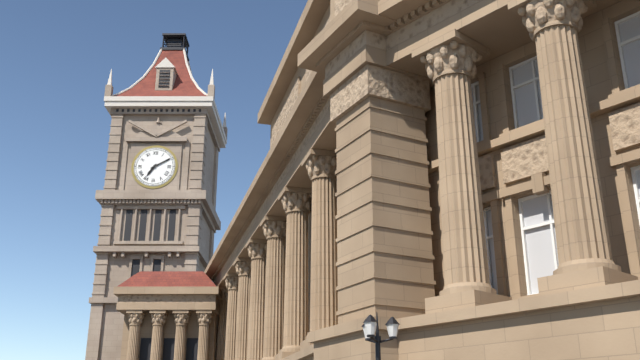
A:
7,10
